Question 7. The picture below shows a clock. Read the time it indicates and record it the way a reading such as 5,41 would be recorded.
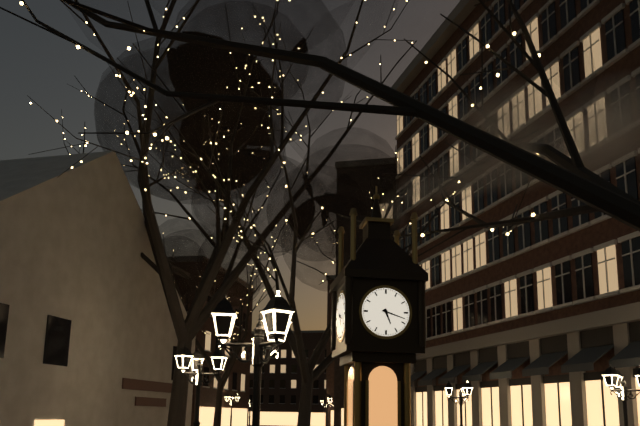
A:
5,18
